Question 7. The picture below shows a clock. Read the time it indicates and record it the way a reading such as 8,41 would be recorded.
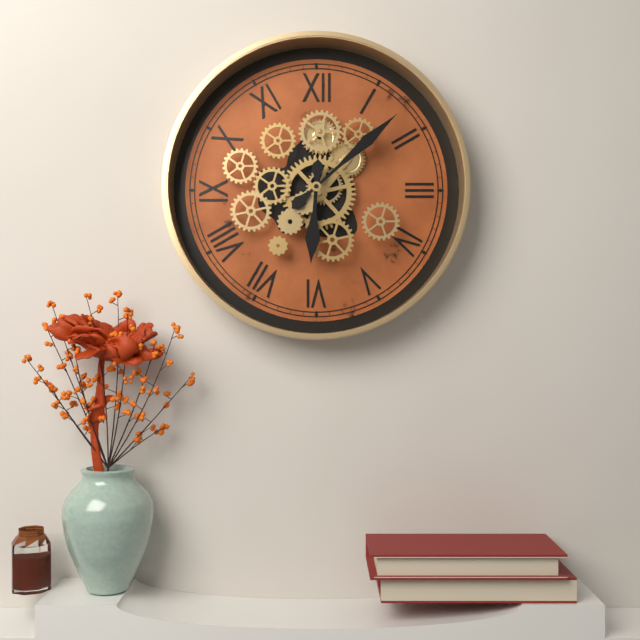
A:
6,08
